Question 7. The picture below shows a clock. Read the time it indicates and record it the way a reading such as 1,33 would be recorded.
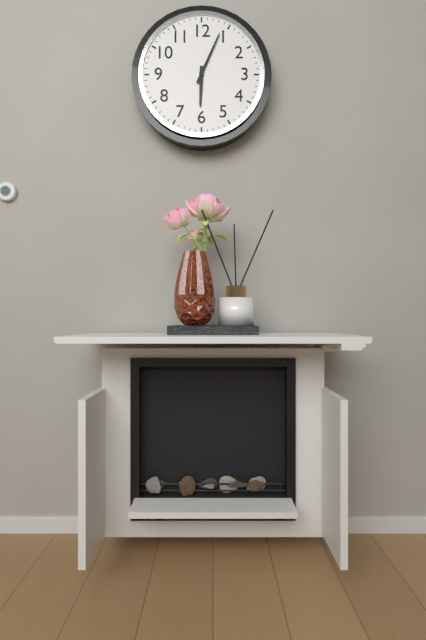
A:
6,04
